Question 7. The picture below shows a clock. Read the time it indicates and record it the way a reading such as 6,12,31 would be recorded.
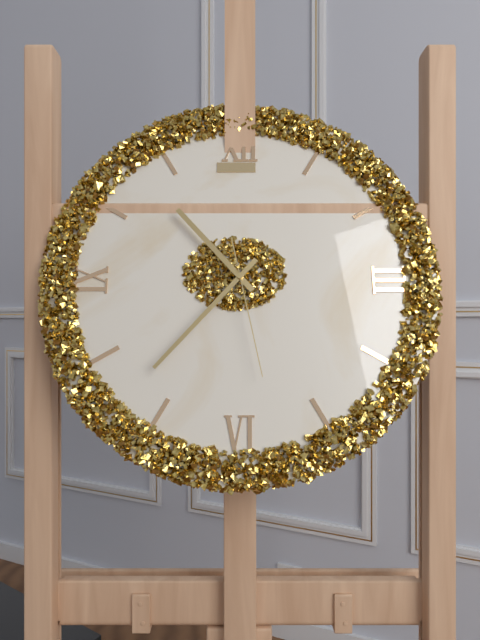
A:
10,37,28
